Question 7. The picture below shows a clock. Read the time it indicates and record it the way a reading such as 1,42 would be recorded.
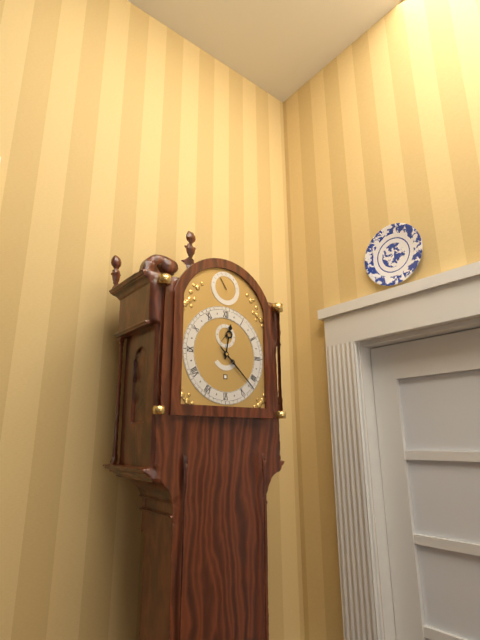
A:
12,22
